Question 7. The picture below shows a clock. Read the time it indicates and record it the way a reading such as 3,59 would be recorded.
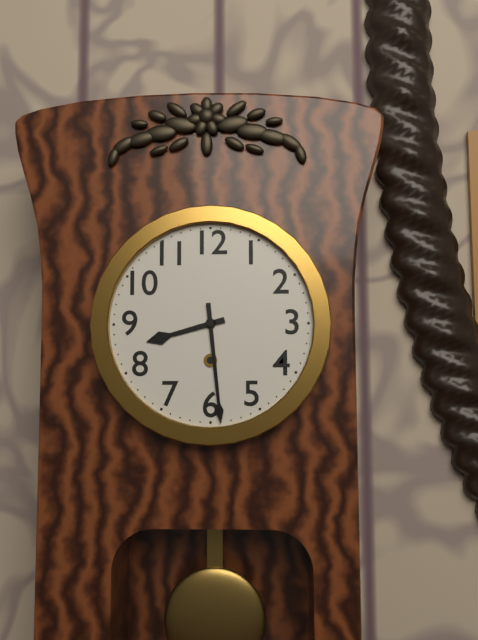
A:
8,29
